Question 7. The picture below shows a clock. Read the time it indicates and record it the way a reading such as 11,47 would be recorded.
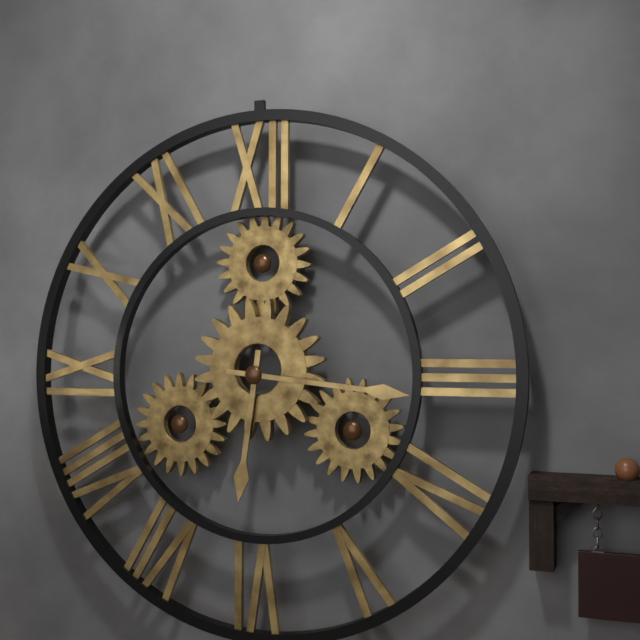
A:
6,16
